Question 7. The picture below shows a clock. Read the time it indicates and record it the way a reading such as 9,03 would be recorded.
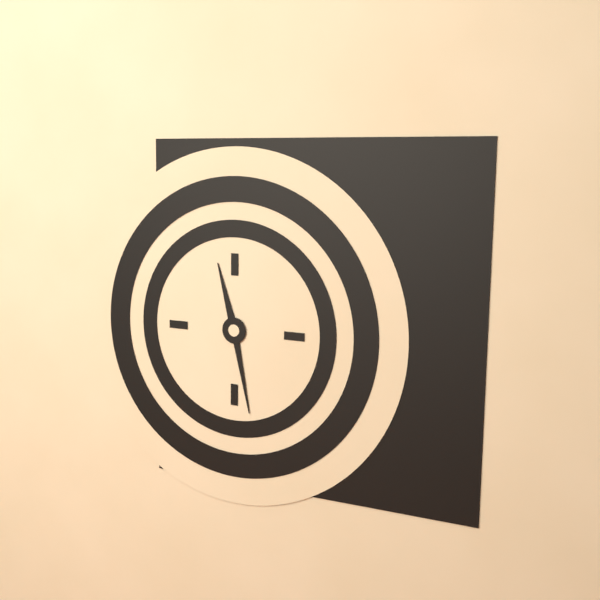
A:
11,28
